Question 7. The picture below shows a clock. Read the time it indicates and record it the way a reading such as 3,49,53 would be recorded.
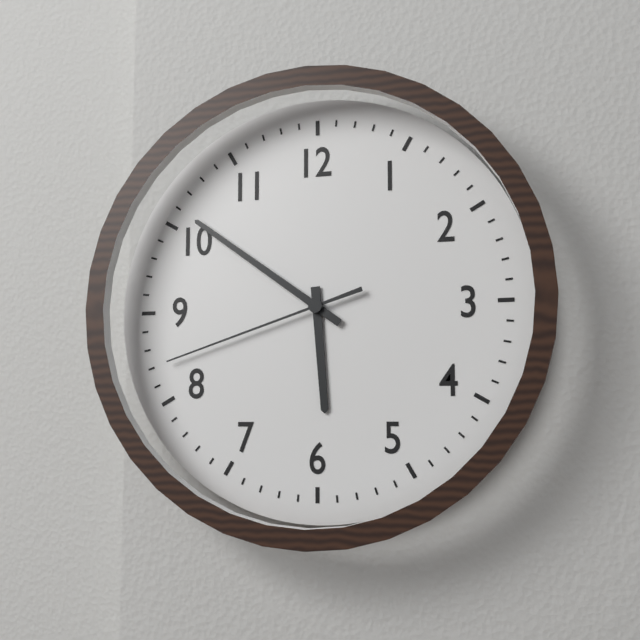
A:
5,51,42
